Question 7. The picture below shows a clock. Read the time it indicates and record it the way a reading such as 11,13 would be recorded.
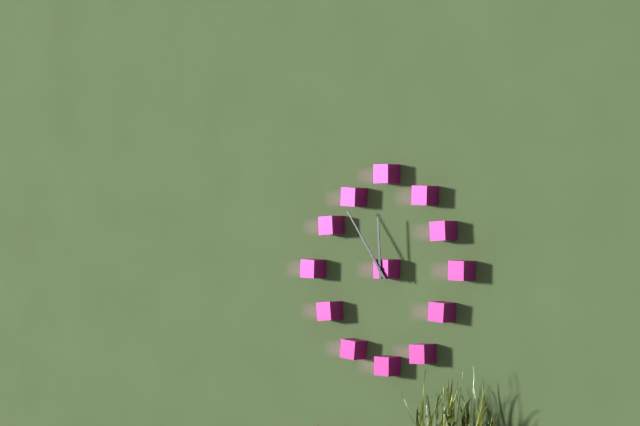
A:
11,54
